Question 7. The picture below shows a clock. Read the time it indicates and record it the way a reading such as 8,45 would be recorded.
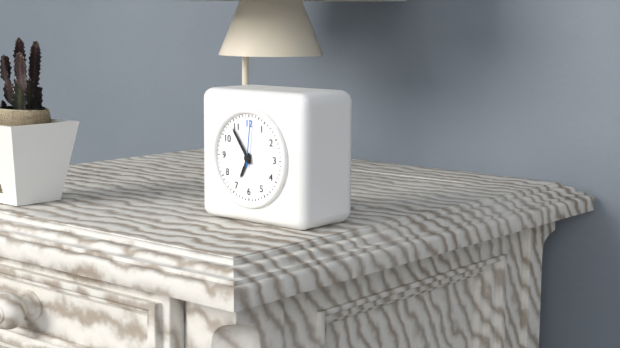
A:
6,54
